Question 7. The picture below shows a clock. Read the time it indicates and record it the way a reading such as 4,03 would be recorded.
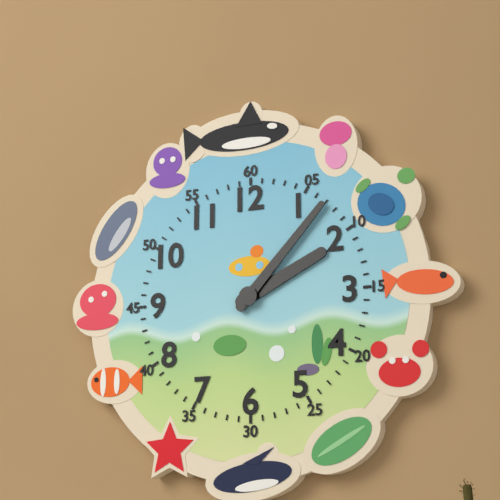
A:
2,07
